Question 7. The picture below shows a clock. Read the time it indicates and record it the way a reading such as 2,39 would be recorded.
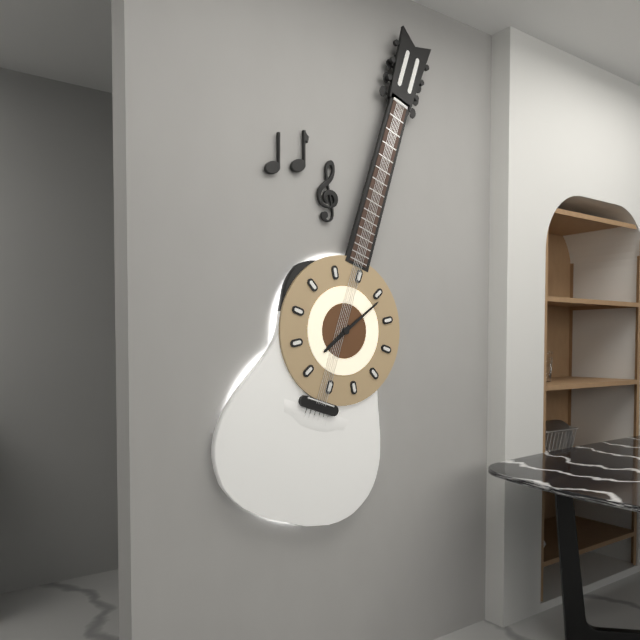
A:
7,06
